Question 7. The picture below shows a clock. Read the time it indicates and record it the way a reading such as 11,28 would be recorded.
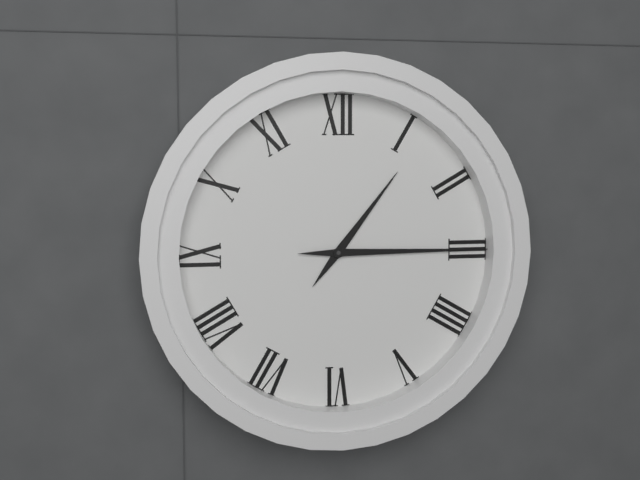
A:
1,15
